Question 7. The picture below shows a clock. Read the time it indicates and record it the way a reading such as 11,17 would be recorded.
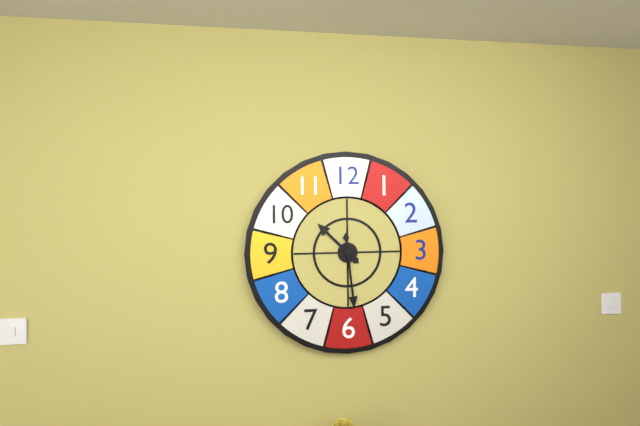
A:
10,29
